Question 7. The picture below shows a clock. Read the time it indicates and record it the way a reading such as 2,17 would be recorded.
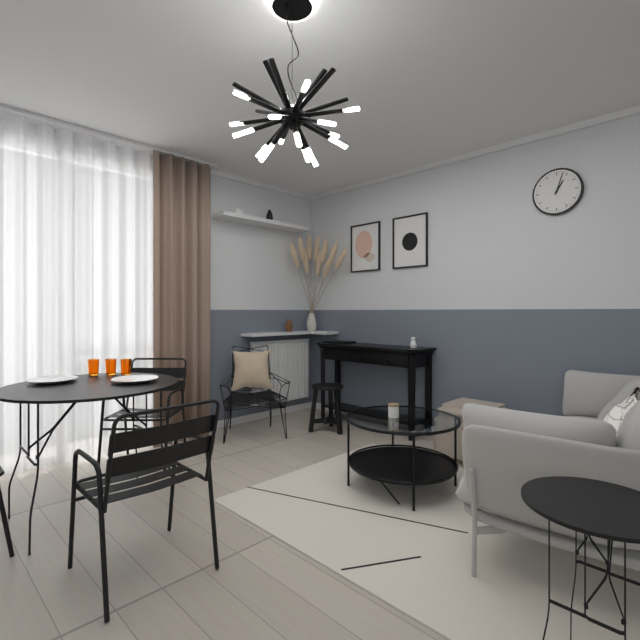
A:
1,03
